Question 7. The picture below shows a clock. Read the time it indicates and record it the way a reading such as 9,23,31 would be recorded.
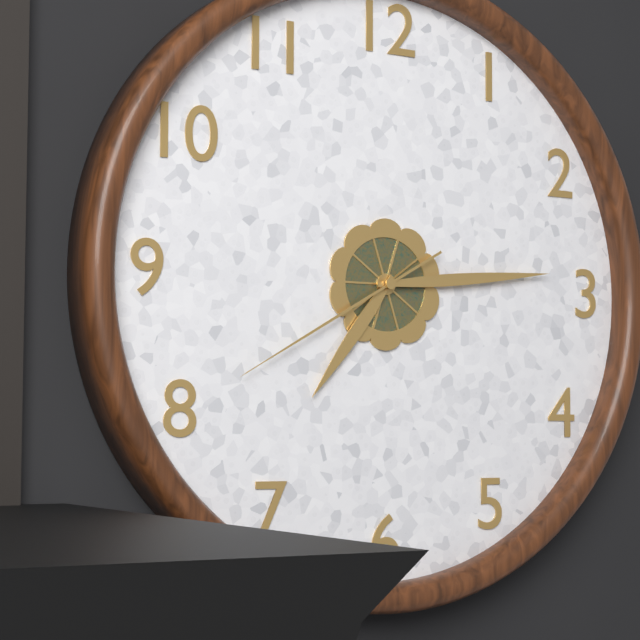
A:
7,14,40
